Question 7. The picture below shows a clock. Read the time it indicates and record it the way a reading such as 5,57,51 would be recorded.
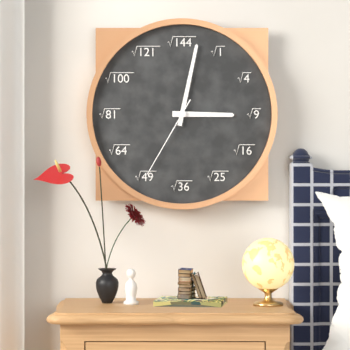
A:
3,02,35
